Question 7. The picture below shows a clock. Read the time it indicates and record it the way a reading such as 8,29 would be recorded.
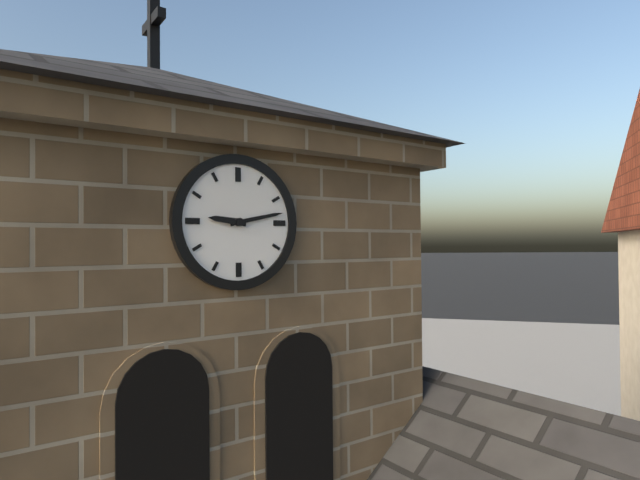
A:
9,13
